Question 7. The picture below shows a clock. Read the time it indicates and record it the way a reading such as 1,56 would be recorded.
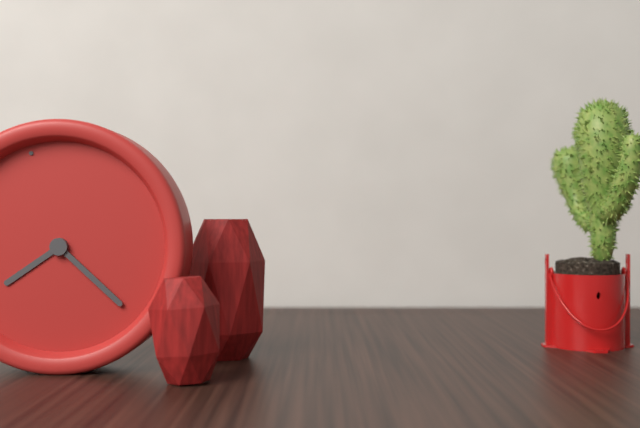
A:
8,25
